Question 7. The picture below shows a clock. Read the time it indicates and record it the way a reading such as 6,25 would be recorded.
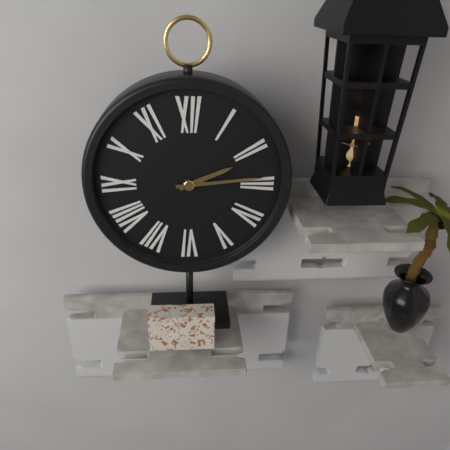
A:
2,14
